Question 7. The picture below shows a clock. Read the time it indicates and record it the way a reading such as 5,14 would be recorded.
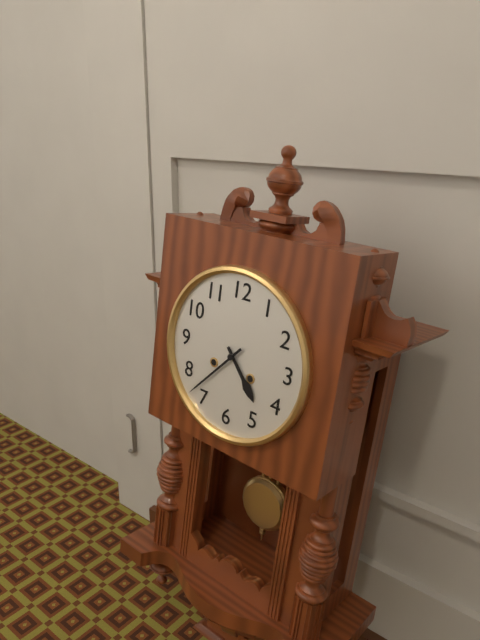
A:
4,37
